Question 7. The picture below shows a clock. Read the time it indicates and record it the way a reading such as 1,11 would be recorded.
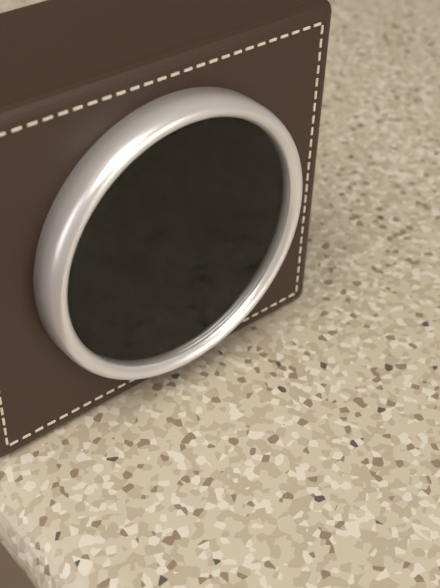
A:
1,25
